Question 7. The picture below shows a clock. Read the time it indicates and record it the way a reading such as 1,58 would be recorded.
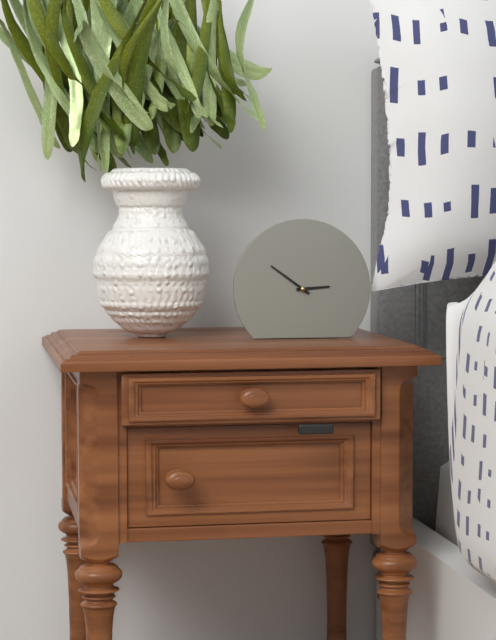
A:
2,51
